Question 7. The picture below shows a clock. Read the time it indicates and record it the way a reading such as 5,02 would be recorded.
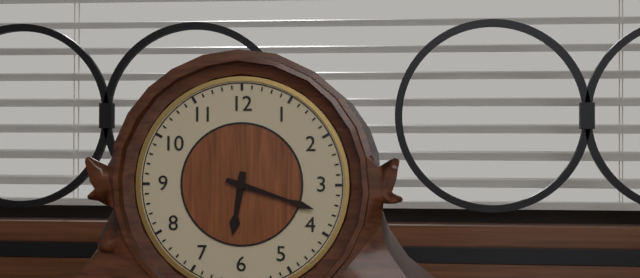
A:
6,18
